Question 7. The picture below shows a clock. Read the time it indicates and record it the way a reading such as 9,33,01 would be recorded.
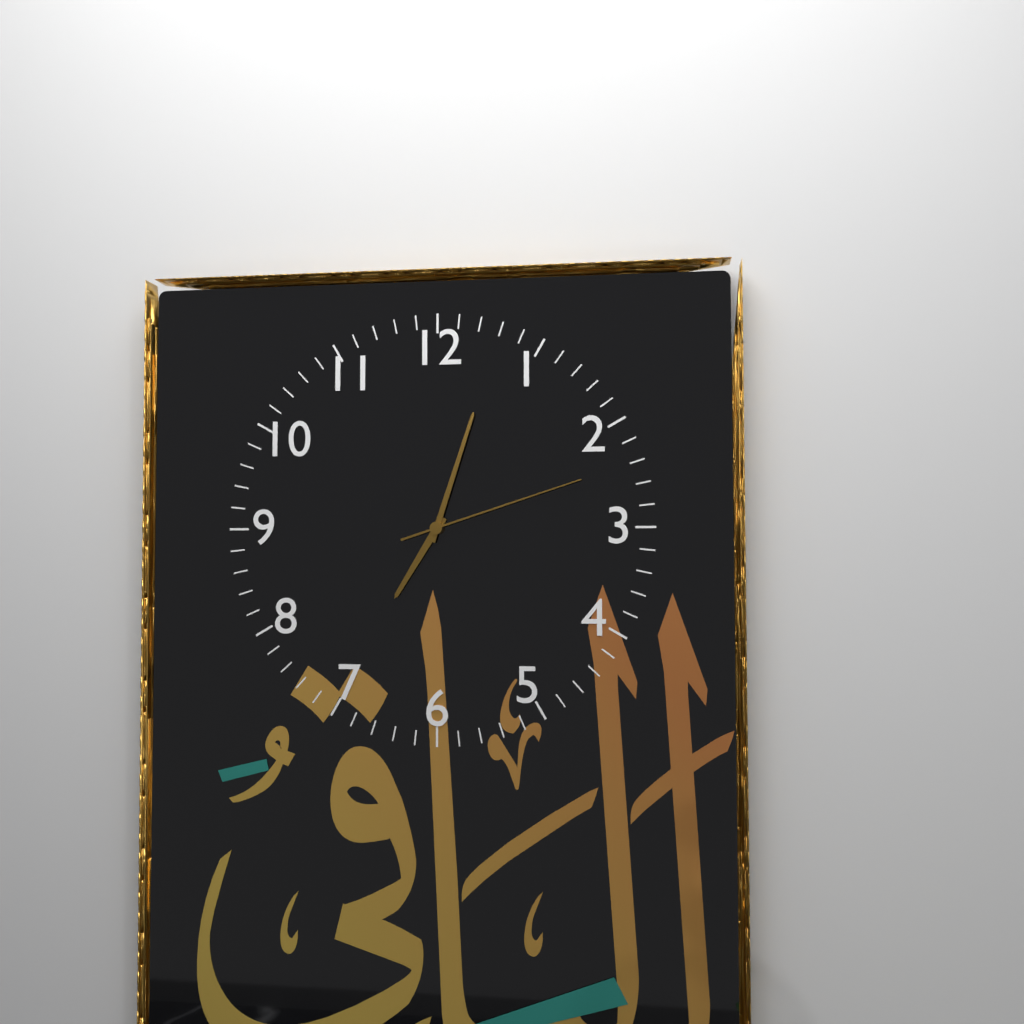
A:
7,03,12
